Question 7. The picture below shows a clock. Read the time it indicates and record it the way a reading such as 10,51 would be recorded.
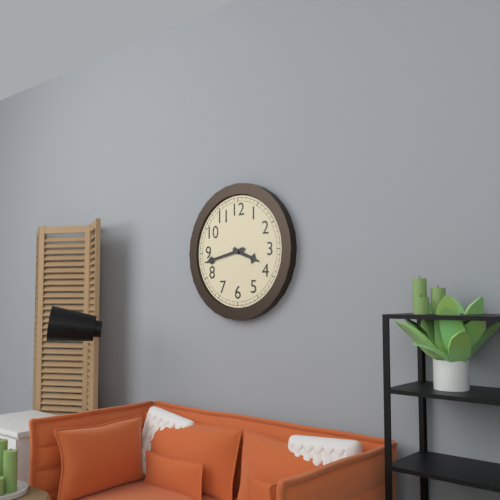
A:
3,43
